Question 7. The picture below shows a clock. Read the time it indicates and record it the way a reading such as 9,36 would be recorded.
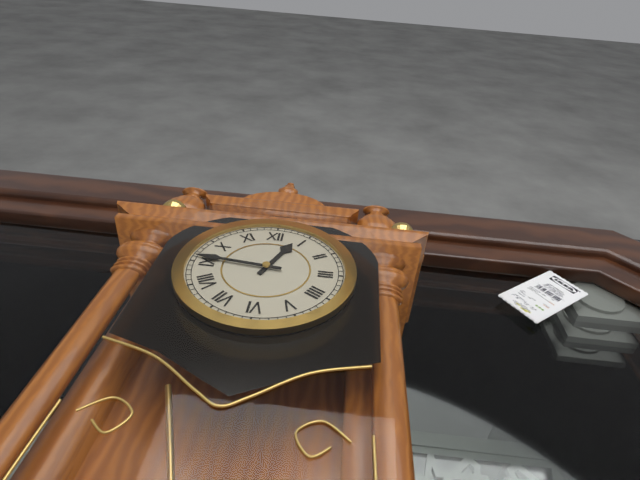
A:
12,46
